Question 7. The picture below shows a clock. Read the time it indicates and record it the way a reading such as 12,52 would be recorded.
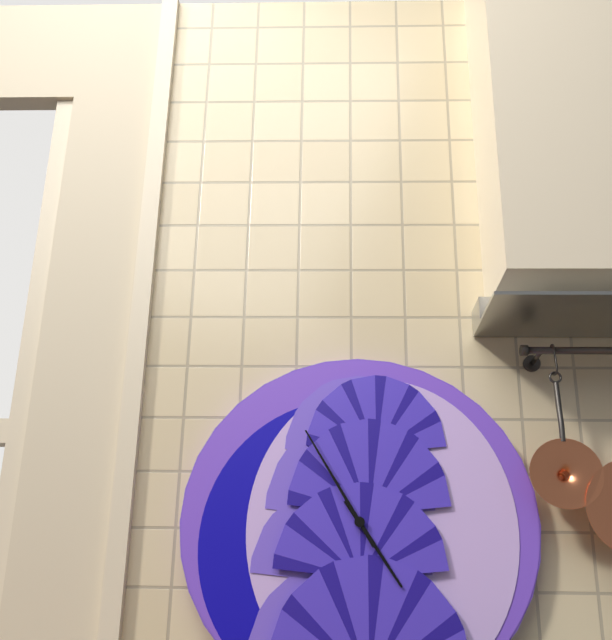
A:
4,55
